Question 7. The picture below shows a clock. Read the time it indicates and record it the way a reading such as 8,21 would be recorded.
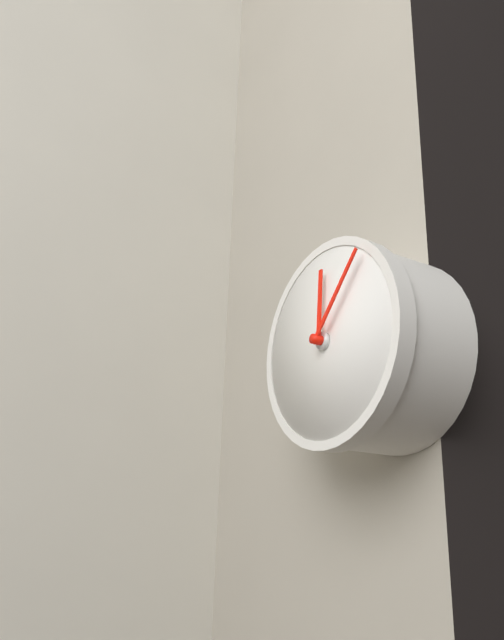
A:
12,07
